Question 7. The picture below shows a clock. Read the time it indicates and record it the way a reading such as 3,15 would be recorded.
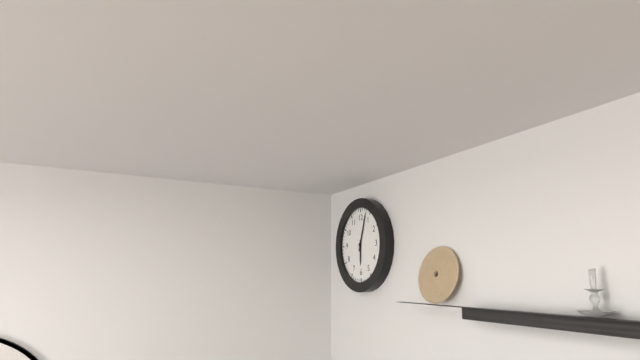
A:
6,03
